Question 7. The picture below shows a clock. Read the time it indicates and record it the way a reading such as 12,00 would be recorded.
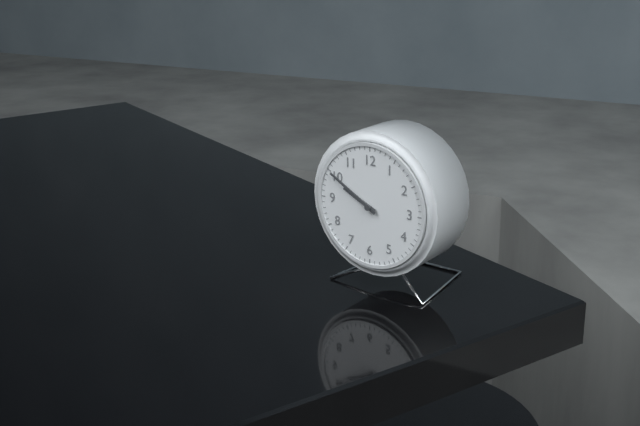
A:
9,50
